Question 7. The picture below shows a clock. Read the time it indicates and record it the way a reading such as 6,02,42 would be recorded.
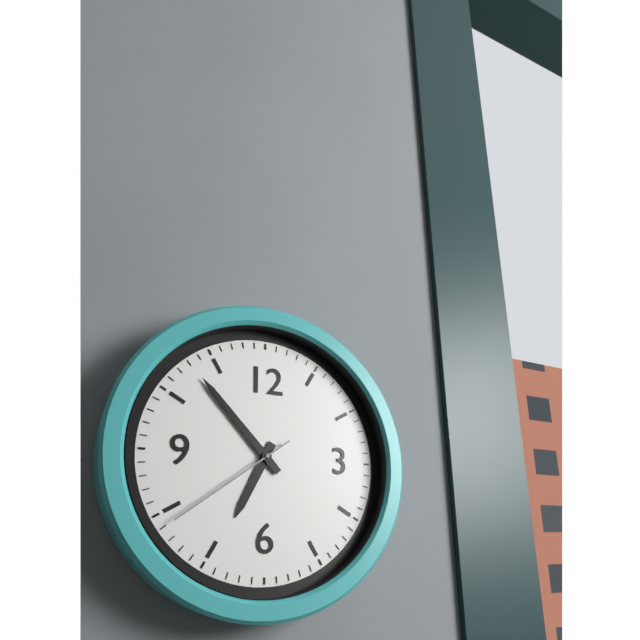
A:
6,53,39
